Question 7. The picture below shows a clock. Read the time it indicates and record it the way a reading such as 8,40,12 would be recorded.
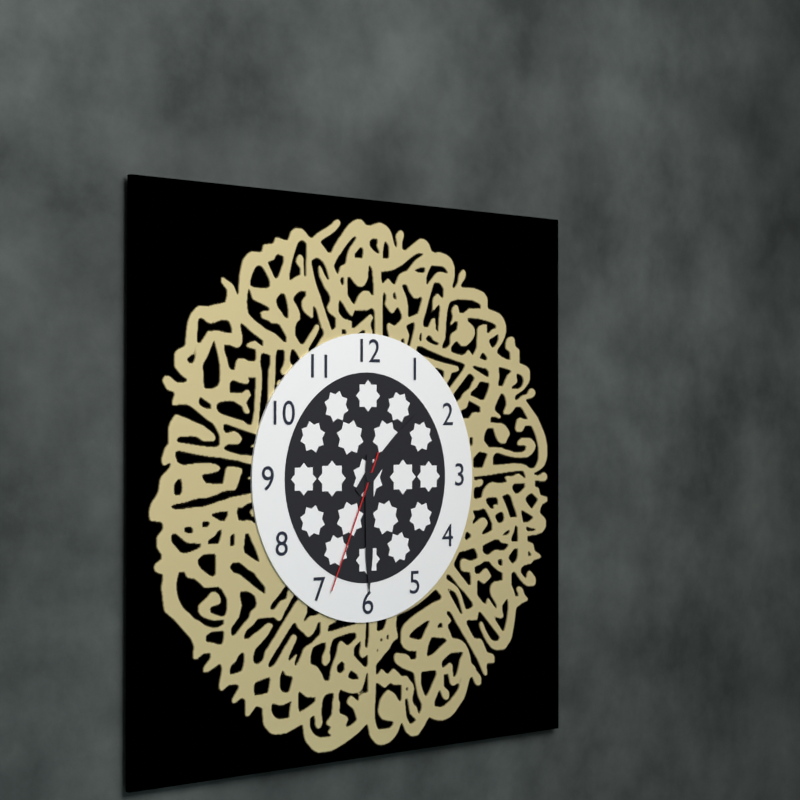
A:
1,30,34
